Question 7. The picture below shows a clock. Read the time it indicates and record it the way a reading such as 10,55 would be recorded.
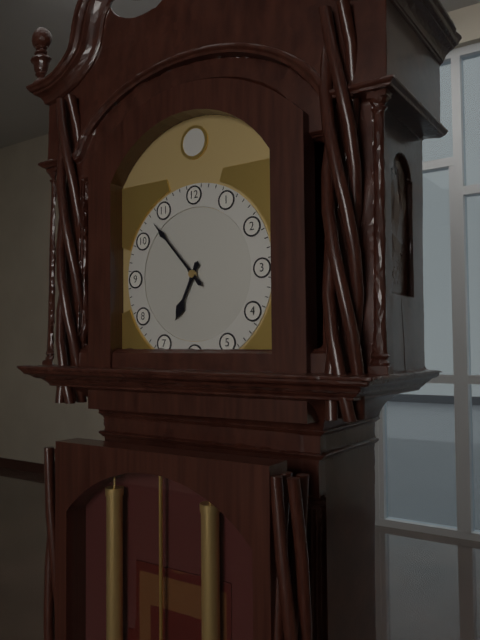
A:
6,53
